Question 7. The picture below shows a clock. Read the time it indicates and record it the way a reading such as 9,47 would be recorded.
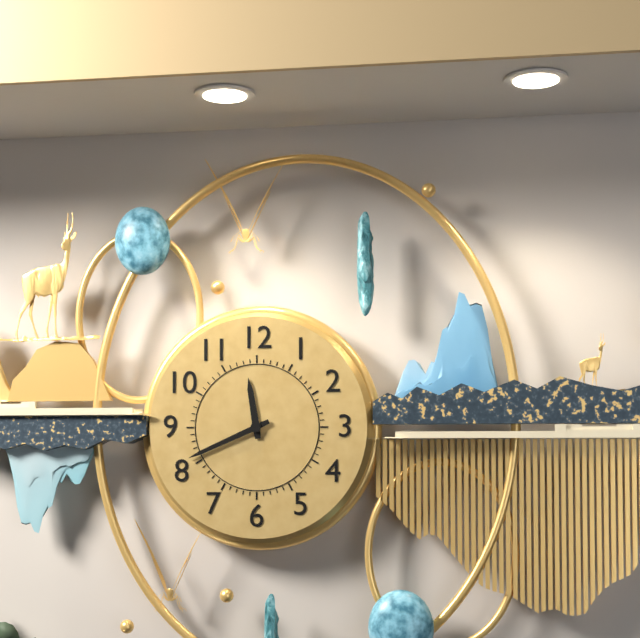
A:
11,41
